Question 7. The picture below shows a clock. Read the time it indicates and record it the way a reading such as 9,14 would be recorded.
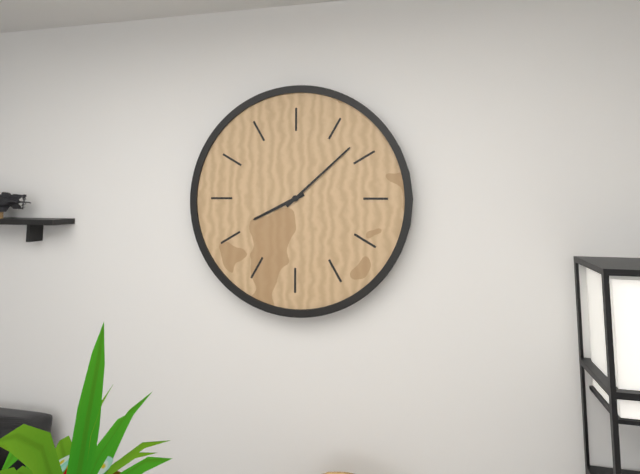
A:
8,08
